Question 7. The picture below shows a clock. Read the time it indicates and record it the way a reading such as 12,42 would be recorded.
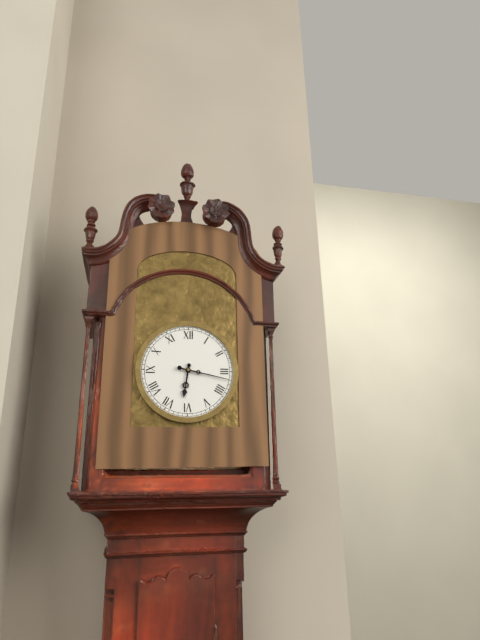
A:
6,17
